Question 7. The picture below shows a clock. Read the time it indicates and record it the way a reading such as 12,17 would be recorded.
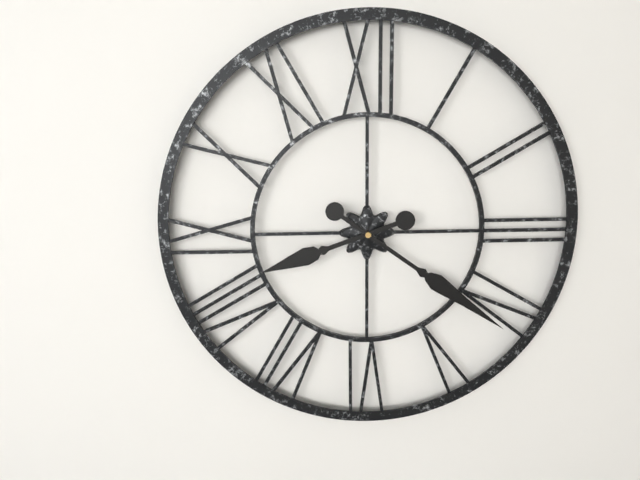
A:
8,21
